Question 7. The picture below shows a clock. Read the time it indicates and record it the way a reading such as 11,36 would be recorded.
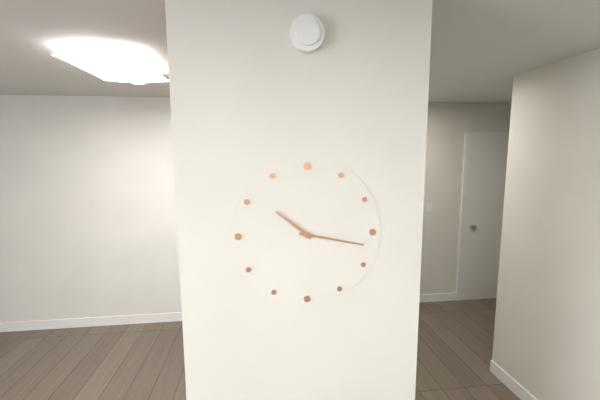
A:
10,17
